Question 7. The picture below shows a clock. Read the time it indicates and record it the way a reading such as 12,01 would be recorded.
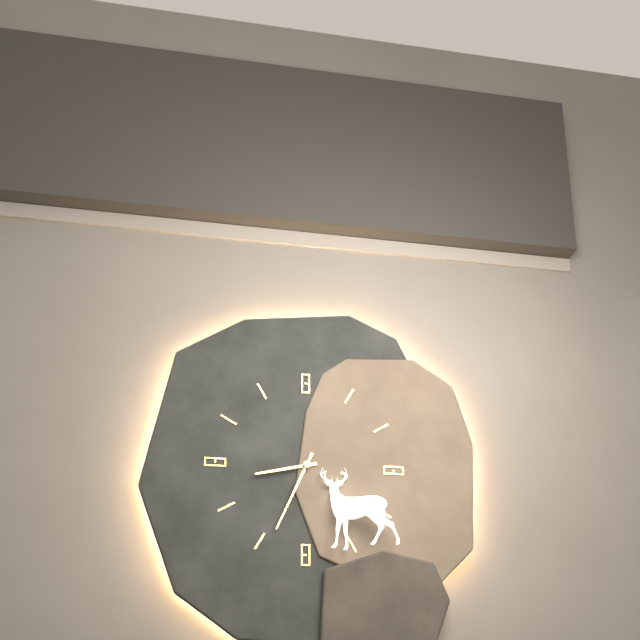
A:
8,34
